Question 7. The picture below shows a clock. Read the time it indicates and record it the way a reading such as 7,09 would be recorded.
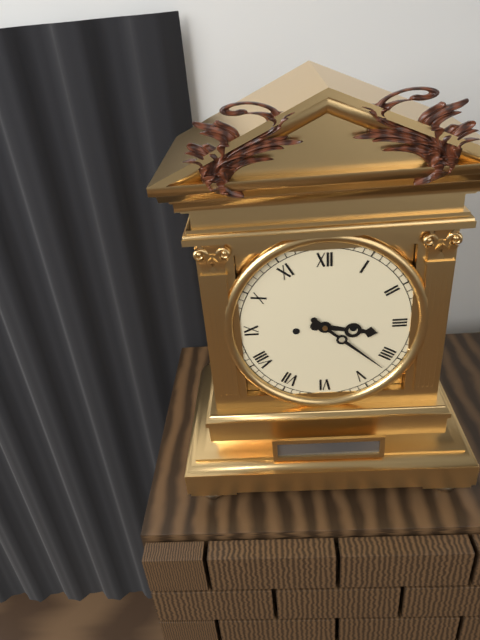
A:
3,22
